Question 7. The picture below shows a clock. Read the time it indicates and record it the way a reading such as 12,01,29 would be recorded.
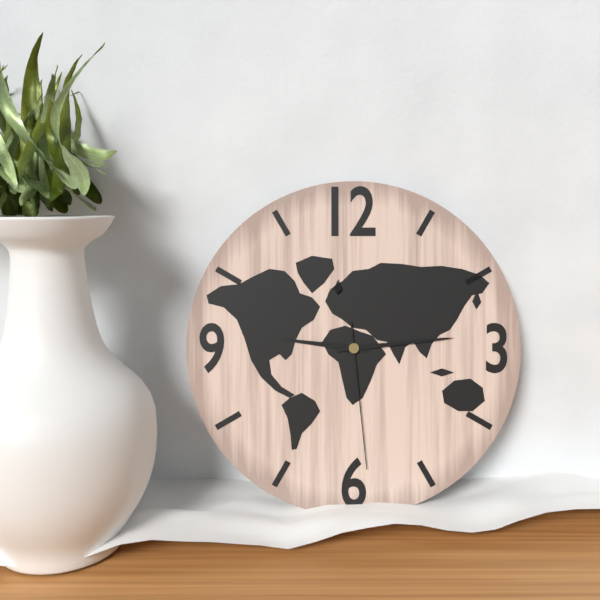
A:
9,14,29
